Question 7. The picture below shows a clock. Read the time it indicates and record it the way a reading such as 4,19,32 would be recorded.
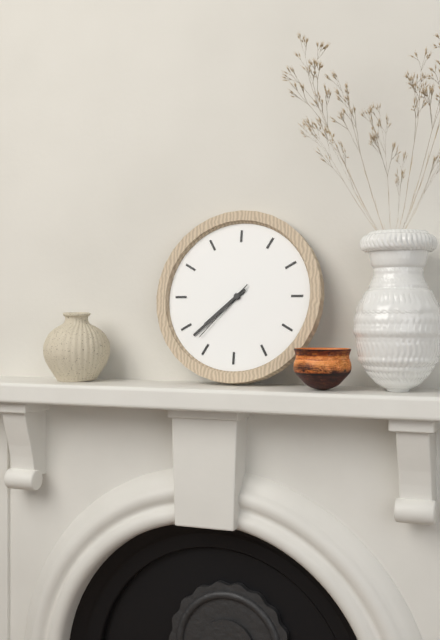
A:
7,38,37
